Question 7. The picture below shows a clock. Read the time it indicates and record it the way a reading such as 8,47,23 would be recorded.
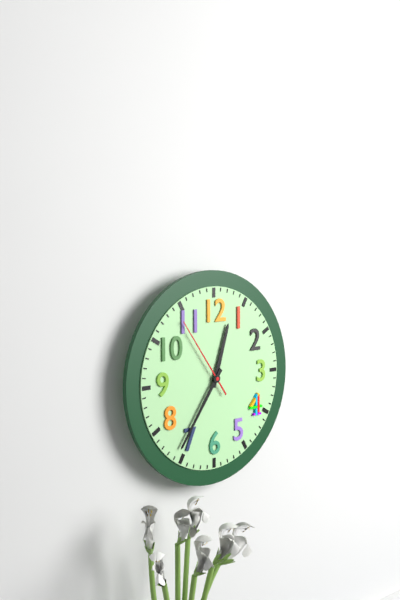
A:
12,36,54
